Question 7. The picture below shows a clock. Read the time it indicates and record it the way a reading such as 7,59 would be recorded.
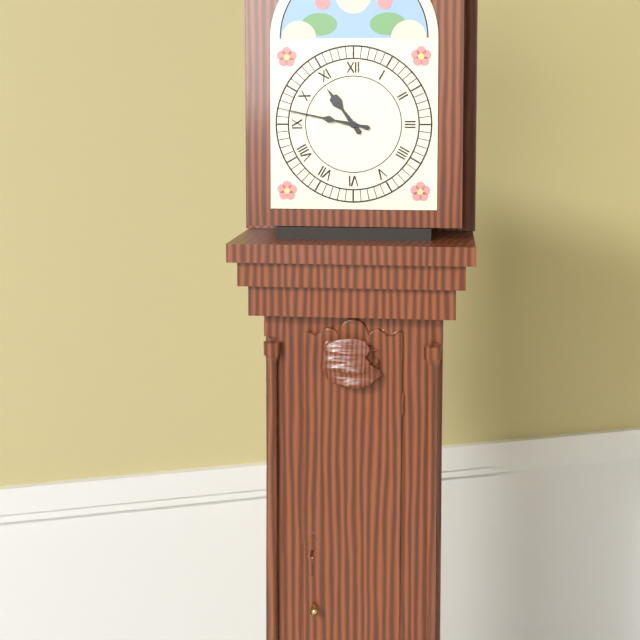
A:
10,47
